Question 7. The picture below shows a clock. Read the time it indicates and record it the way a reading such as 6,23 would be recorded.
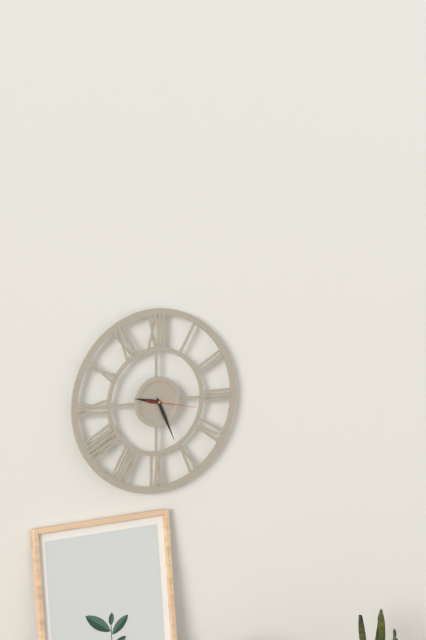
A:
9,26
